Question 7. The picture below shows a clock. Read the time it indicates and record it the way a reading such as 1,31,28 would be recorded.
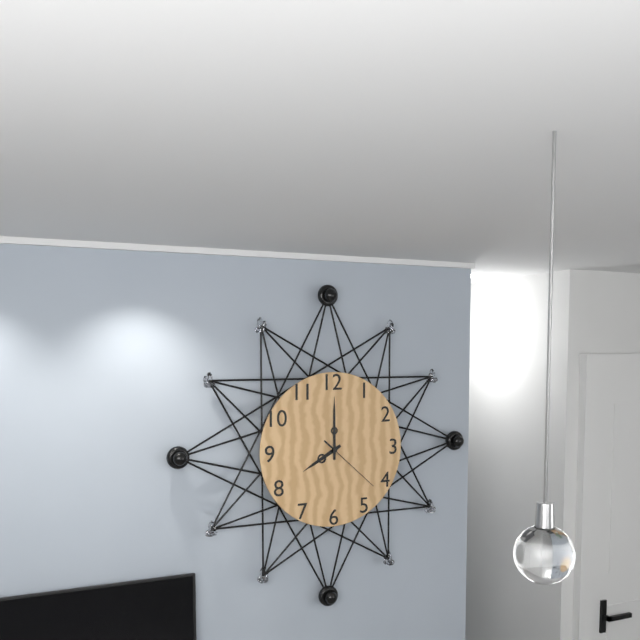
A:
8,00,22
